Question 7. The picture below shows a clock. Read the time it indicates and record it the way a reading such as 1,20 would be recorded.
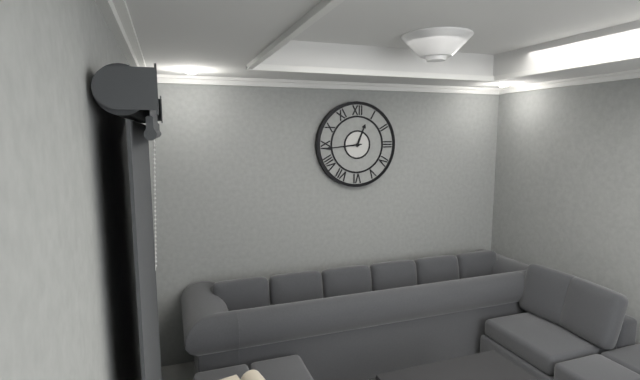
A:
12,44
